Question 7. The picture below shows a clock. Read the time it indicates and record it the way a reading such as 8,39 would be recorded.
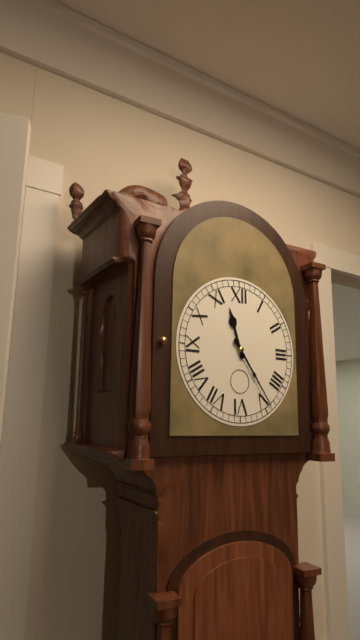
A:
11,24
